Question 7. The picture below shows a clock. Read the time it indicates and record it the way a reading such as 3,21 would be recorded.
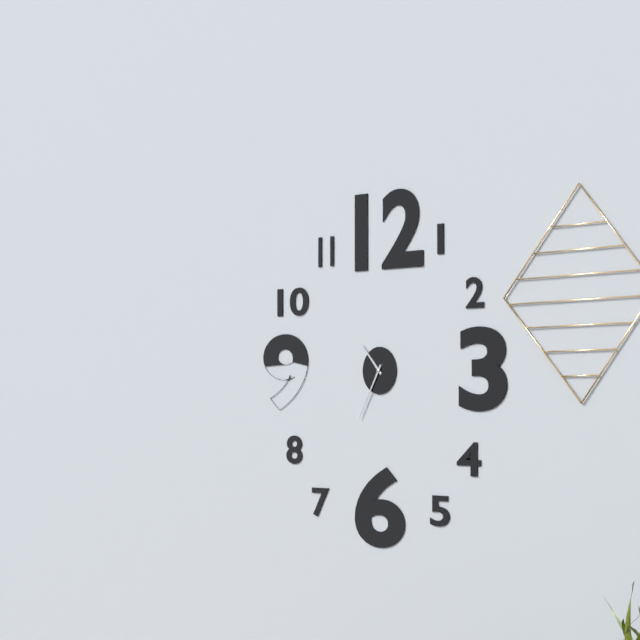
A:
10,35
